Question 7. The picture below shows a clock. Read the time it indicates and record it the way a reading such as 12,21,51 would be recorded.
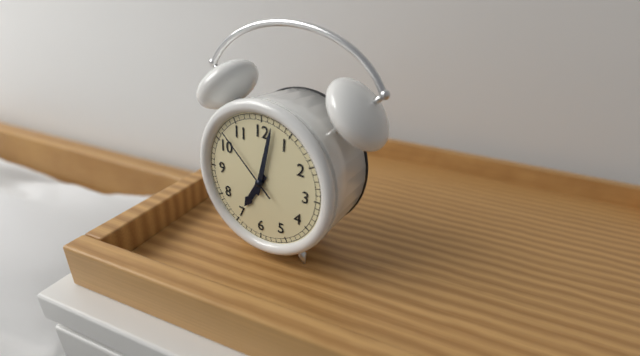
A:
7,02,52
